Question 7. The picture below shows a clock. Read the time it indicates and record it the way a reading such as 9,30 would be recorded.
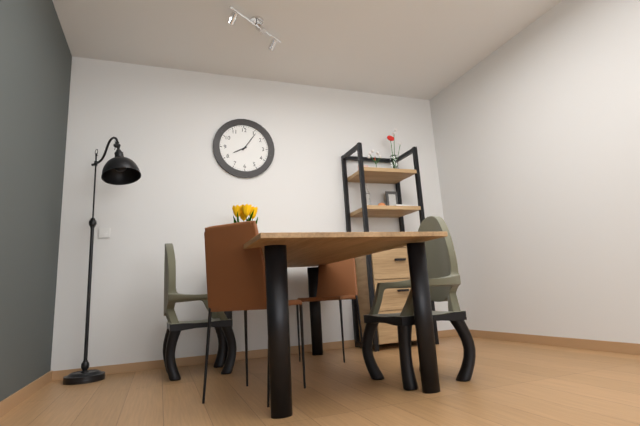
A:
8,06
